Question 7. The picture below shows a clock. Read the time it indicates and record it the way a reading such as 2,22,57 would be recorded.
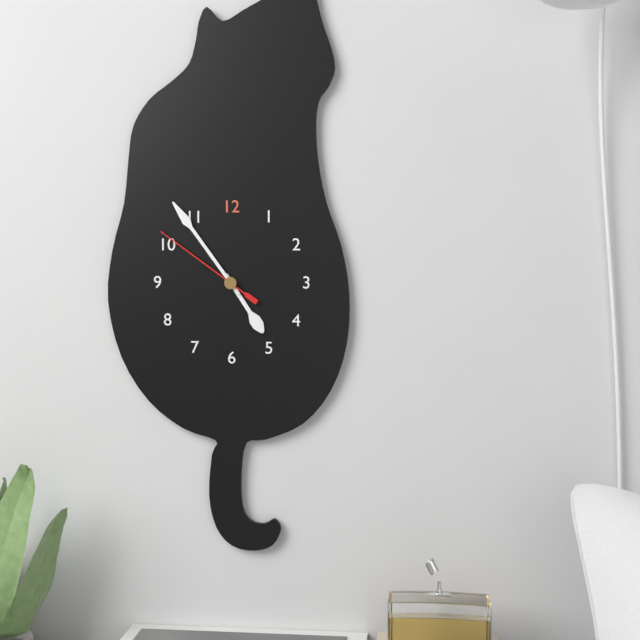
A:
4,54,51
